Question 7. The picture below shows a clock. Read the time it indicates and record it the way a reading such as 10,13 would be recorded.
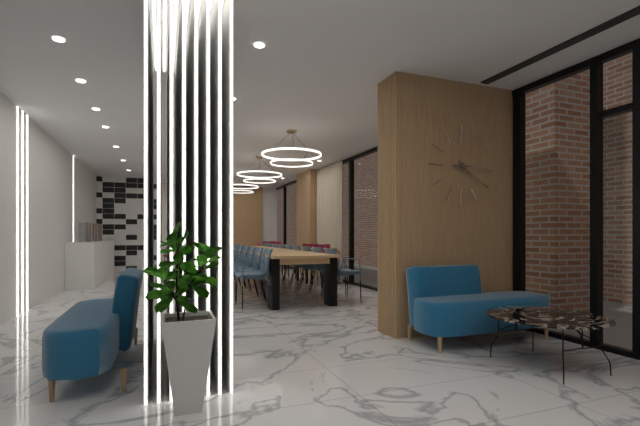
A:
4,15
